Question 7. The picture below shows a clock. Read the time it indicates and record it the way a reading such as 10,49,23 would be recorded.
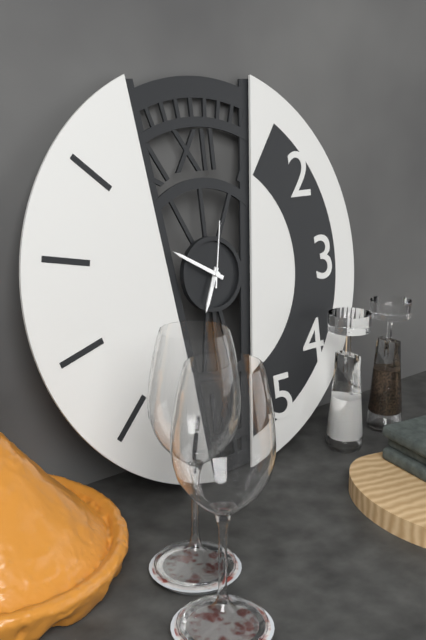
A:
6,50,02
